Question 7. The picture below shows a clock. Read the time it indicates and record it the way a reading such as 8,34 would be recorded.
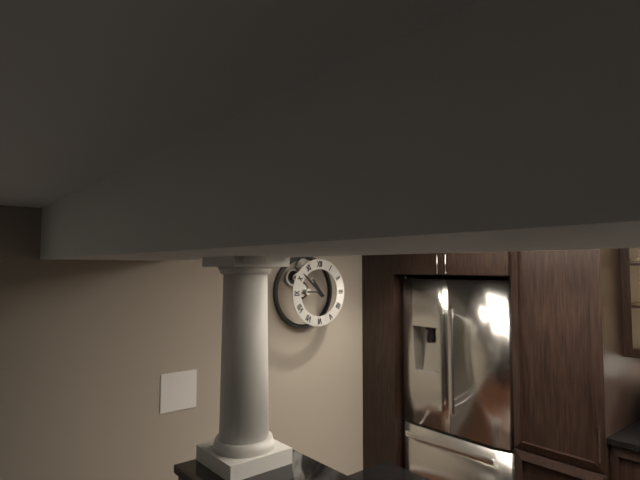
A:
10,52
